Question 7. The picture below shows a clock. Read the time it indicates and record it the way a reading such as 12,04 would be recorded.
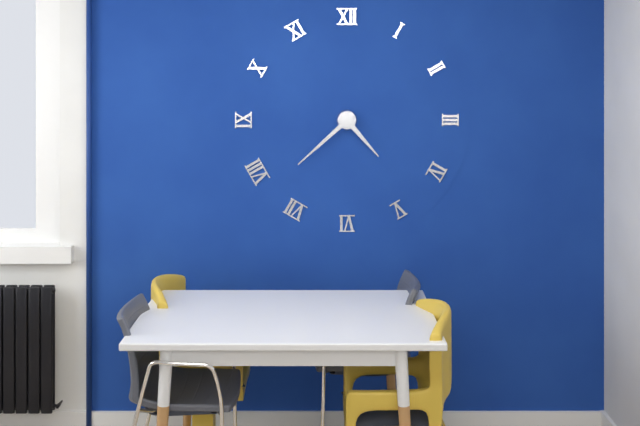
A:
4,38
